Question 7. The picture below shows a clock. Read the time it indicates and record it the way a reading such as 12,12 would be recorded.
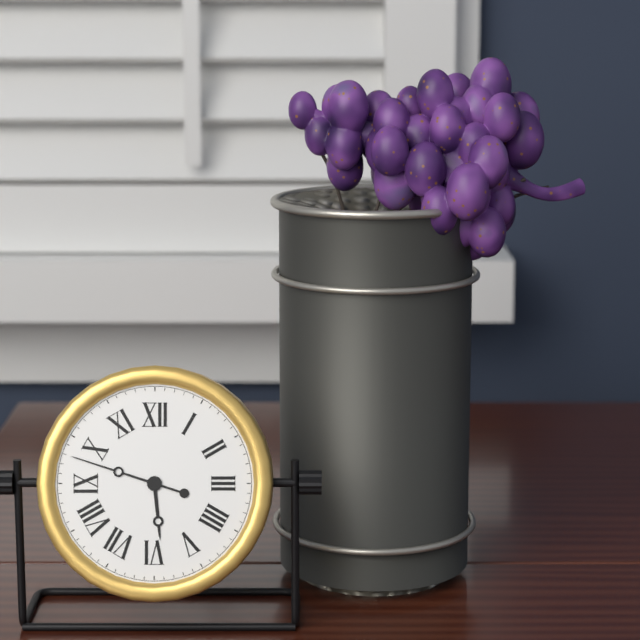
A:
5,48
